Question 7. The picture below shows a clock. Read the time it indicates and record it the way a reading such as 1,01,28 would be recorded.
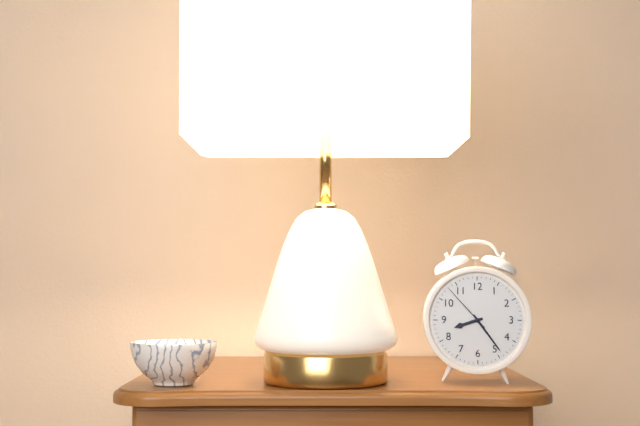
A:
8,24,53
